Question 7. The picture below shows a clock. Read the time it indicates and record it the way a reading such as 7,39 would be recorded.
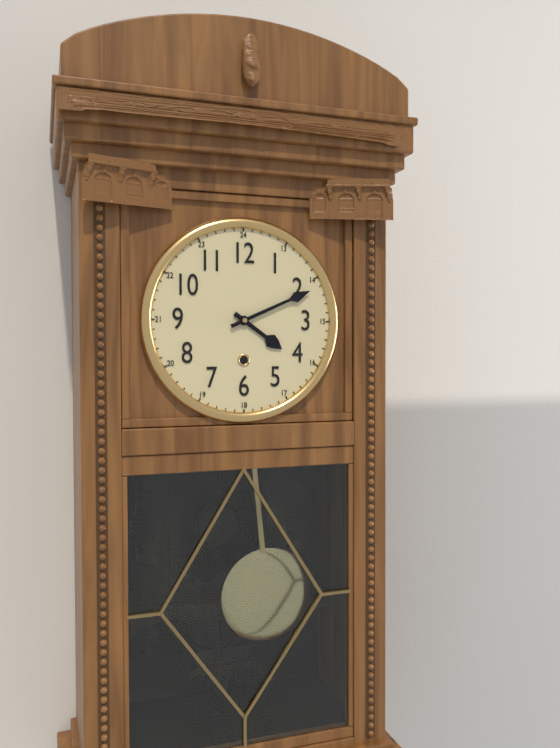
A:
4,11
